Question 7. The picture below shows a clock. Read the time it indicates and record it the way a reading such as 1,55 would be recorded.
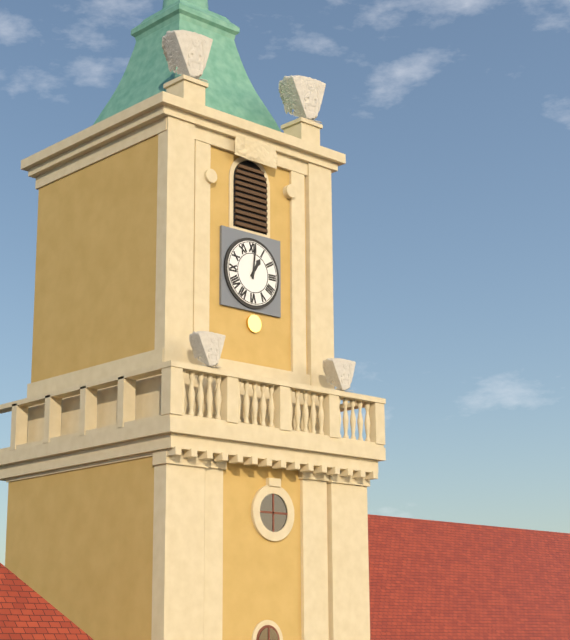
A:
1,01
